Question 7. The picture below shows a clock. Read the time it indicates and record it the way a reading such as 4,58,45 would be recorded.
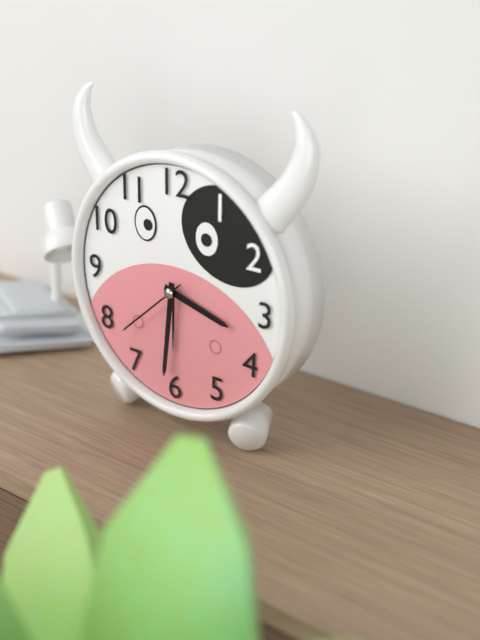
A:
3,31,38
